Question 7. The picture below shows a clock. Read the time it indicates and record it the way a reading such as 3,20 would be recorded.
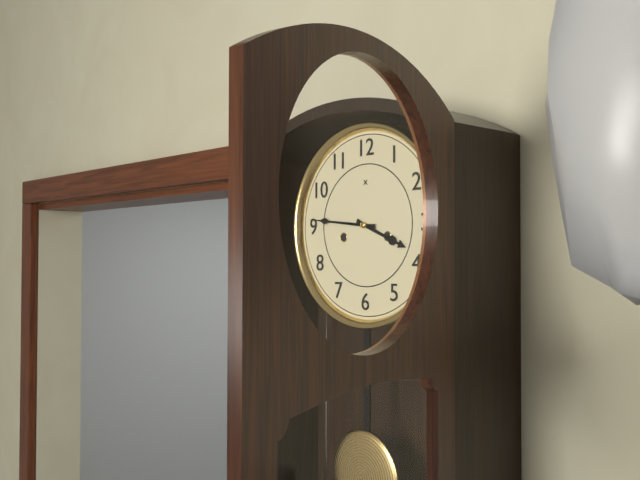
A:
3,46
